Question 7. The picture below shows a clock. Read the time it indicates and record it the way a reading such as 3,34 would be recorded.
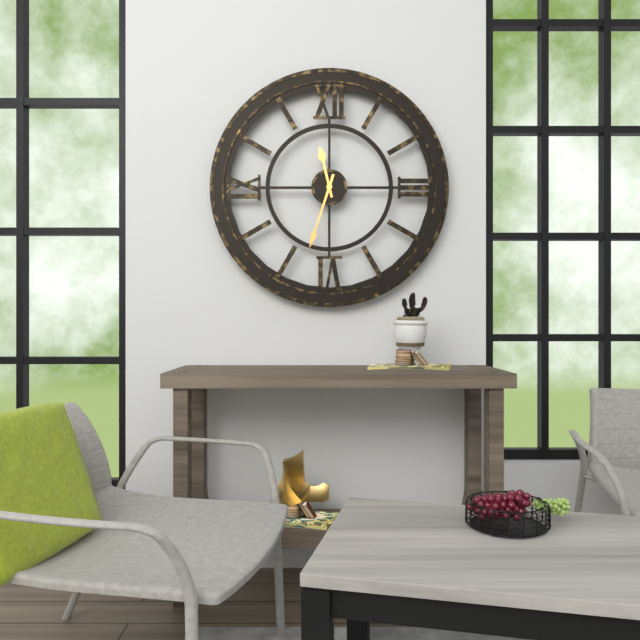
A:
11,33
